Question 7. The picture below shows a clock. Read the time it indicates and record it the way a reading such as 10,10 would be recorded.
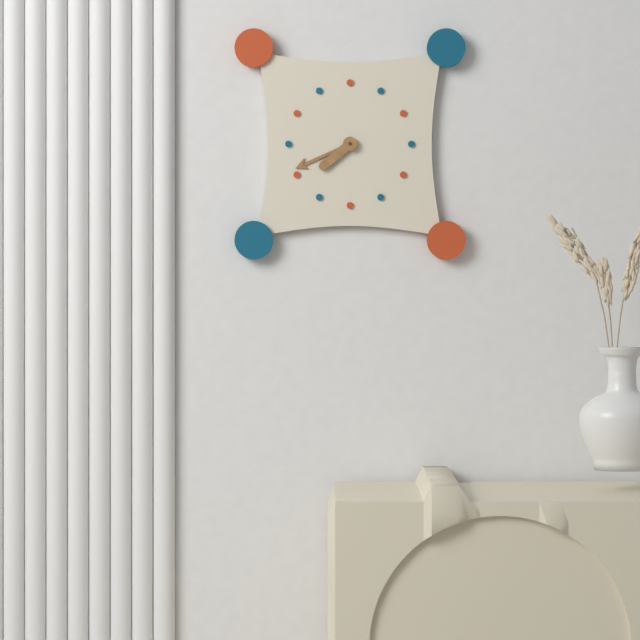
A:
7,41
